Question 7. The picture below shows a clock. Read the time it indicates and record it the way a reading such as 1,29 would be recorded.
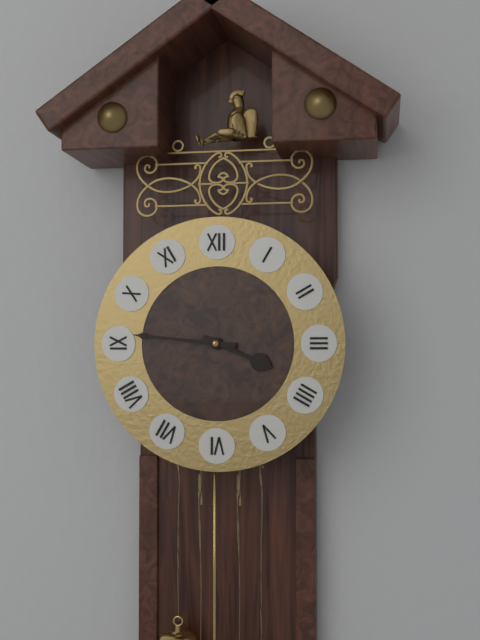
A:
3,46
